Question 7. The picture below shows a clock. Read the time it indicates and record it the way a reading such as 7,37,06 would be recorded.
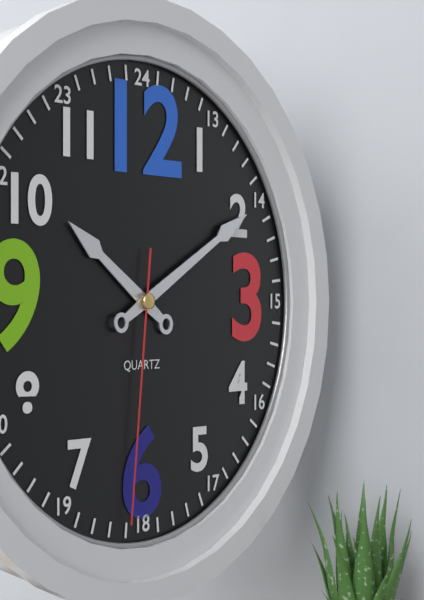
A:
10,10,31
